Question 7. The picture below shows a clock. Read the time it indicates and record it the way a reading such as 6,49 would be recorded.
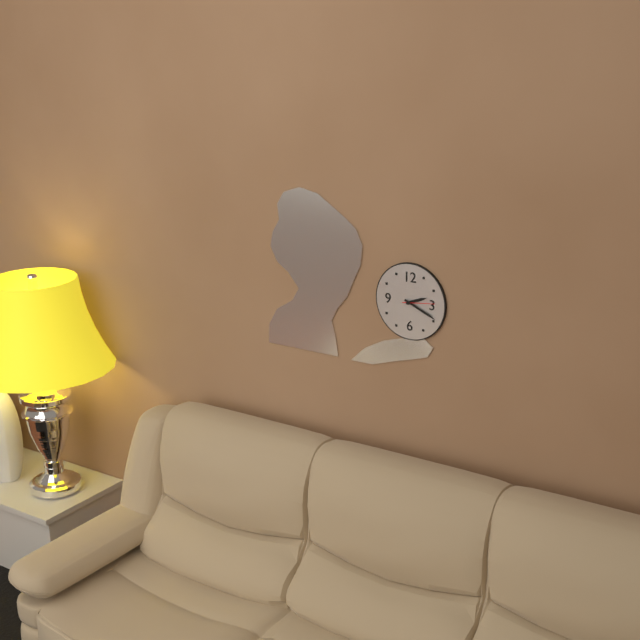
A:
2,19
